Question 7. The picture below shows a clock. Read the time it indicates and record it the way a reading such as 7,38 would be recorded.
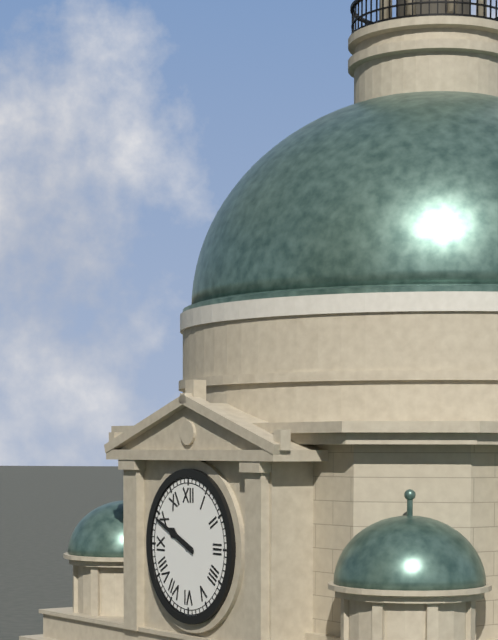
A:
9,49
